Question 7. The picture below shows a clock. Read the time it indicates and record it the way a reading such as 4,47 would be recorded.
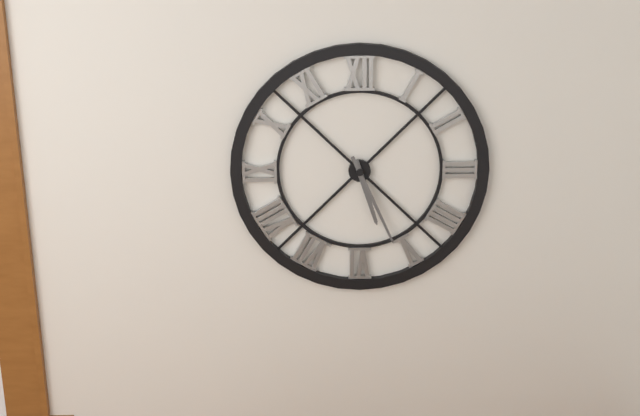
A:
5,26
